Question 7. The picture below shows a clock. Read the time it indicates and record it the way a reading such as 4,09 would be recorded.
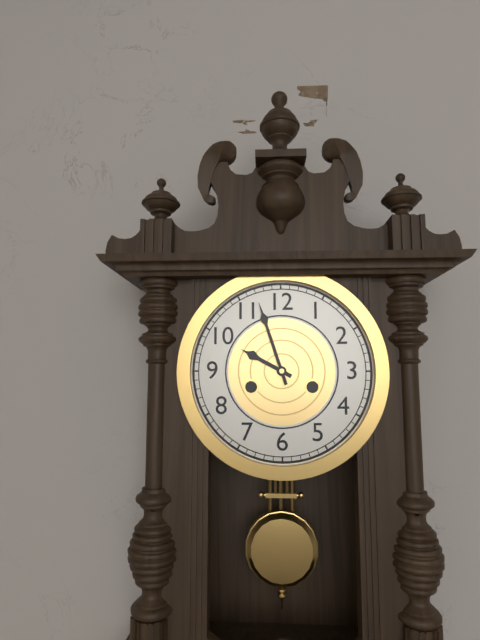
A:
9,57
